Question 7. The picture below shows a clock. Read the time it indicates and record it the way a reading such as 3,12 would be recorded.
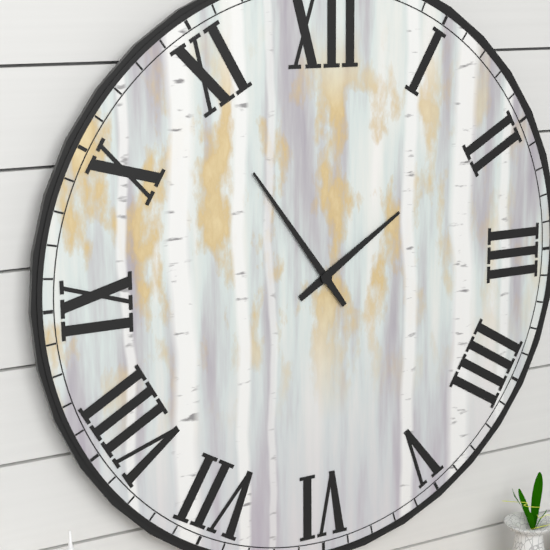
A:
1,54
